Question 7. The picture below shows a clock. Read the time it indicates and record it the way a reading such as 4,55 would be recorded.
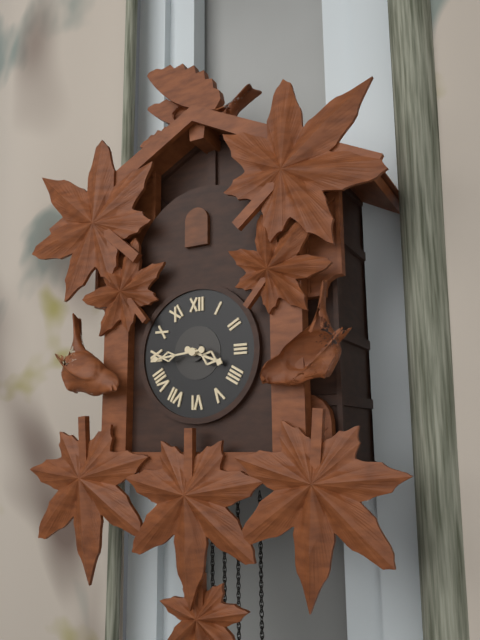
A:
3,44
